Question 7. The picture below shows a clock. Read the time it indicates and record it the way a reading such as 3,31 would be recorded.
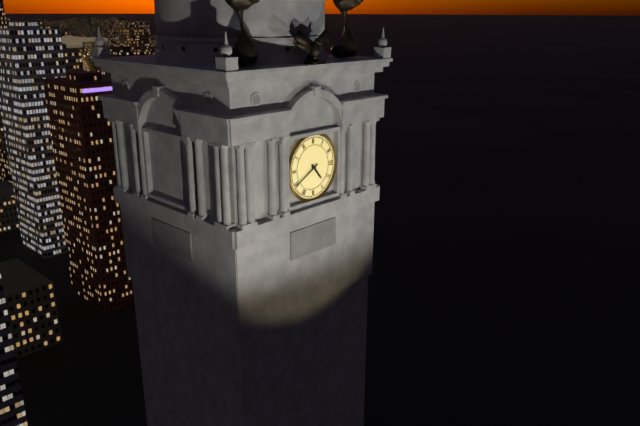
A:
4,40
